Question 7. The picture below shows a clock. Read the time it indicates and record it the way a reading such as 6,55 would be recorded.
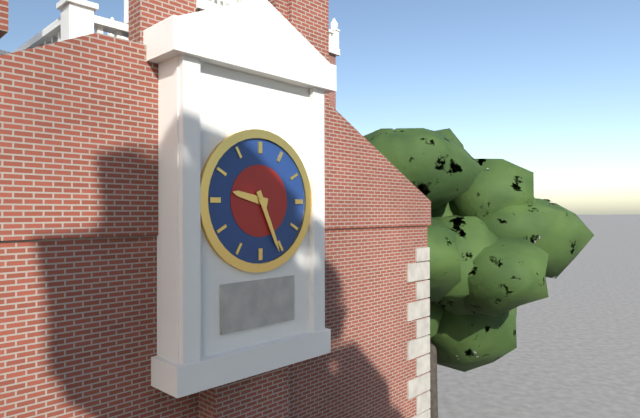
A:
9,26
